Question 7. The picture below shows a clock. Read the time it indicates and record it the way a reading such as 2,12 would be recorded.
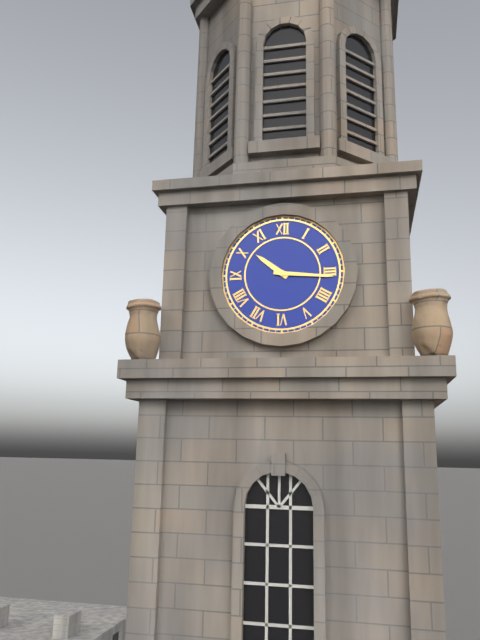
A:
10,16
